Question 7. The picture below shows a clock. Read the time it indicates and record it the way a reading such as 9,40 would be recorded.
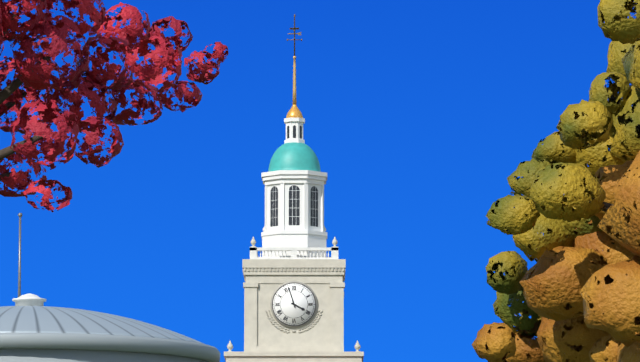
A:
3,57
